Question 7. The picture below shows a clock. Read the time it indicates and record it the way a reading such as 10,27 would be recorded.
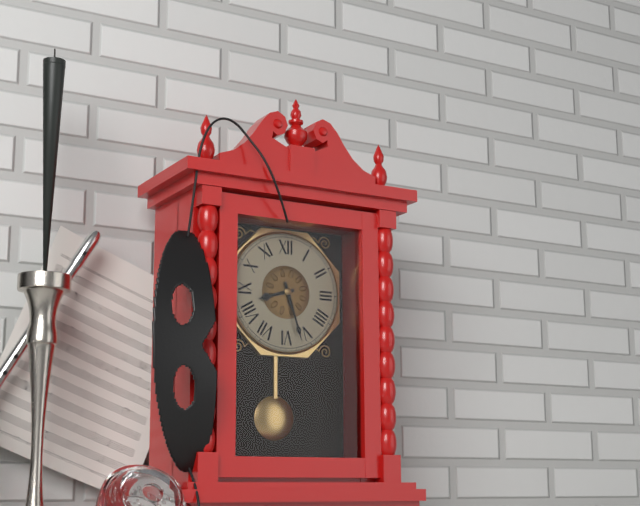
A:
8,27
